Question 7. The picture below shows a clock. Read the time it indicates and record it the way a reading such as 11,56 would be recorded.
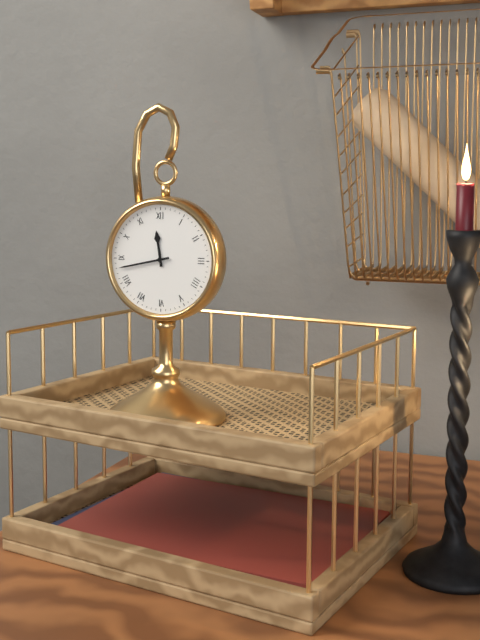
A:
11,43
